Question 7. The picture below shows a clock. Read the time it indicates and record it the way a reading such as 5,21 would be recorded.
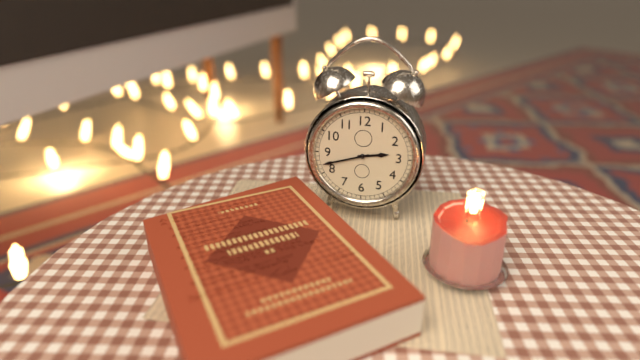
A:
2,42
